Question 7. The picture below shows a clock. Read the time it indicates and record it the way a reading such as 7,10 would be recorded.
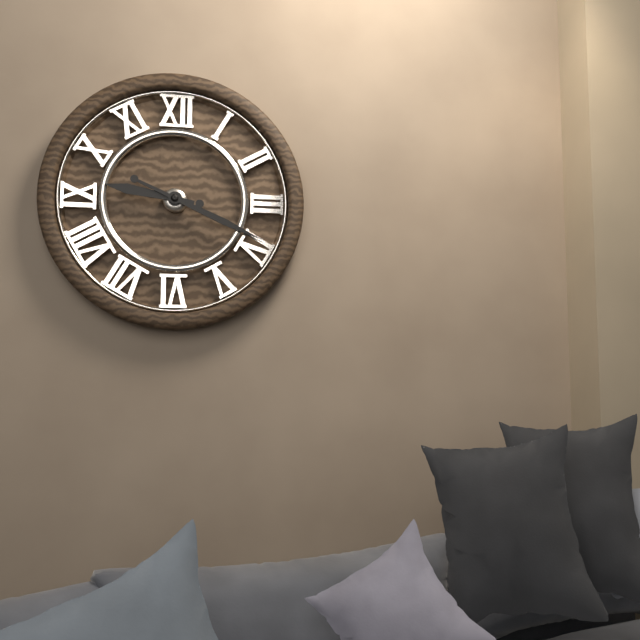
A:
9,19
